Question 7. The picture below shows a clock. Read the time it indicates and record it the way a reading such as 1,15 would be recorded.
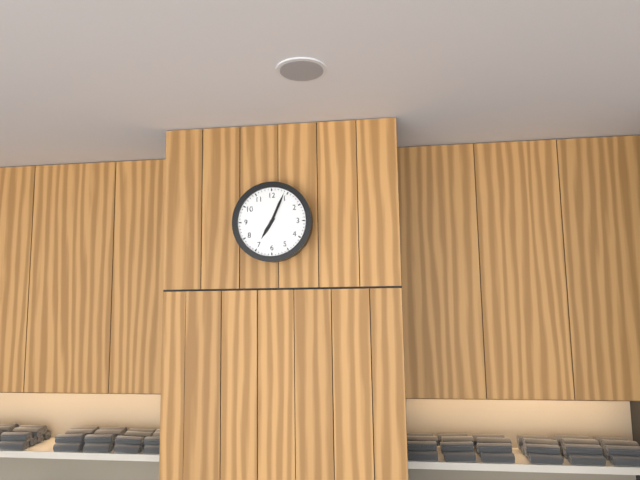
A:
7,04
